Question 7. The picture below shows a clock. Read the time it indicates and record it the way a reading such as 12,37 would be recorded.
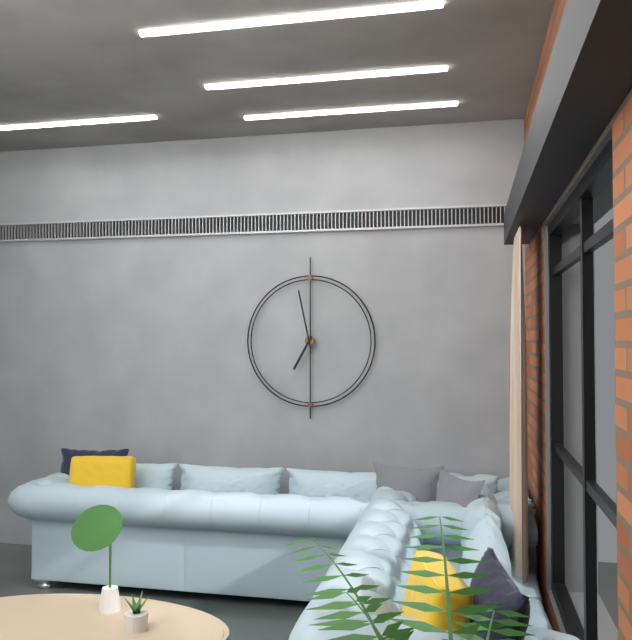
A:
6,58
